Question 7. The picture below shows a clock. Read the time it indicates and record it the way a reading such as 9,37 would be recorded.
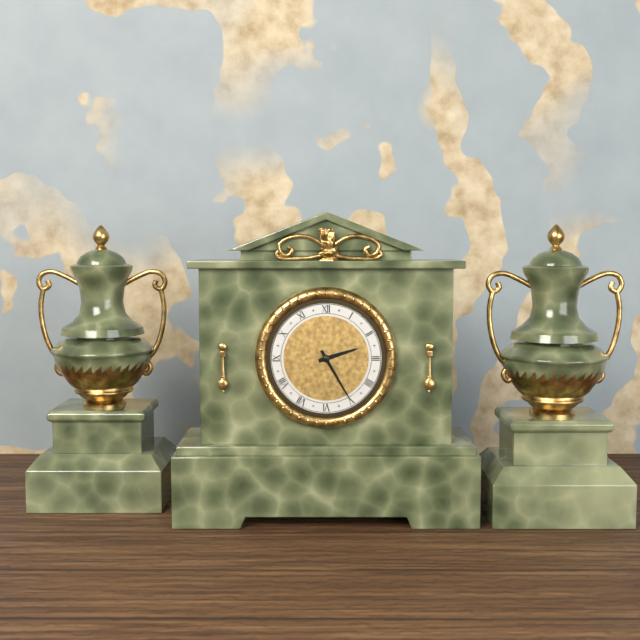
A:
2,25
